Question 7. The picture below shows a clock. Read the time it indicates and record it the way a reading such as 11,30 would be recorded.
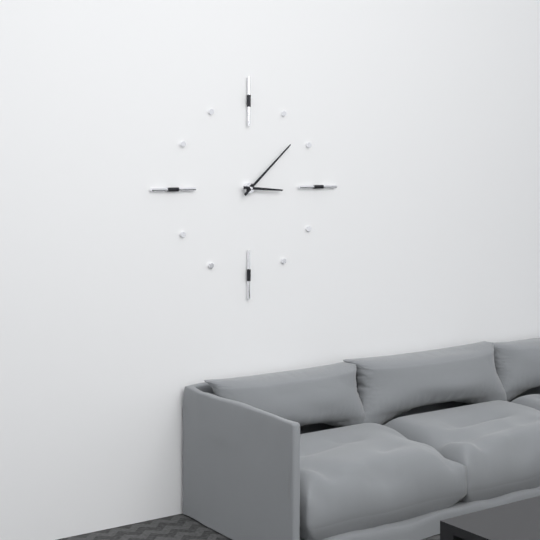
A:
3,08
